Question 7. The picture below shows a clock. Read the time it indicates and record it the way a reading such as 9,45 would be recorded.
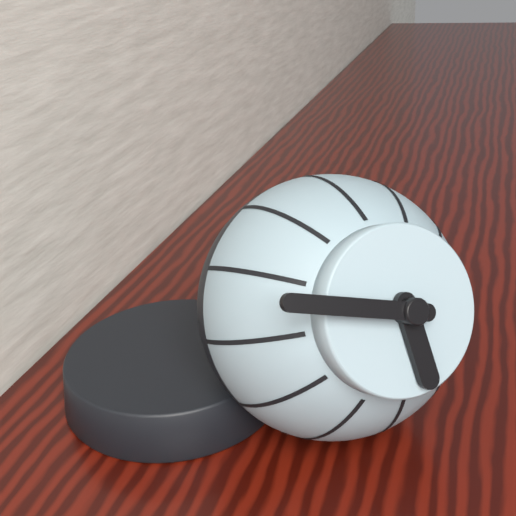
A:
5,48
